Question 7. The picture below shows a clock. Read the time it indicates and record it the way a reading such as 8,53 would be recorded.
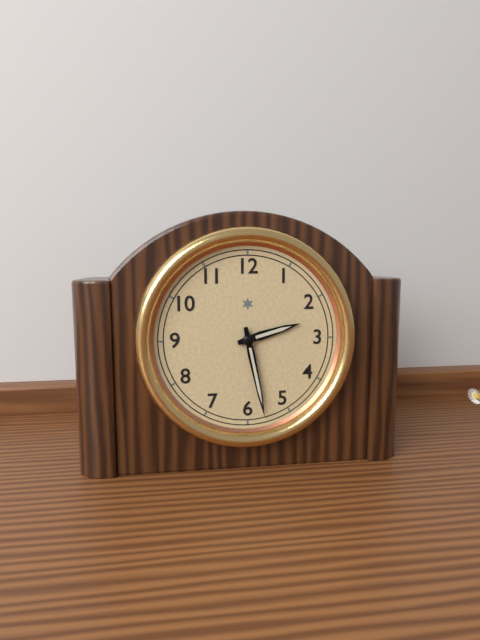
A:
2,28
